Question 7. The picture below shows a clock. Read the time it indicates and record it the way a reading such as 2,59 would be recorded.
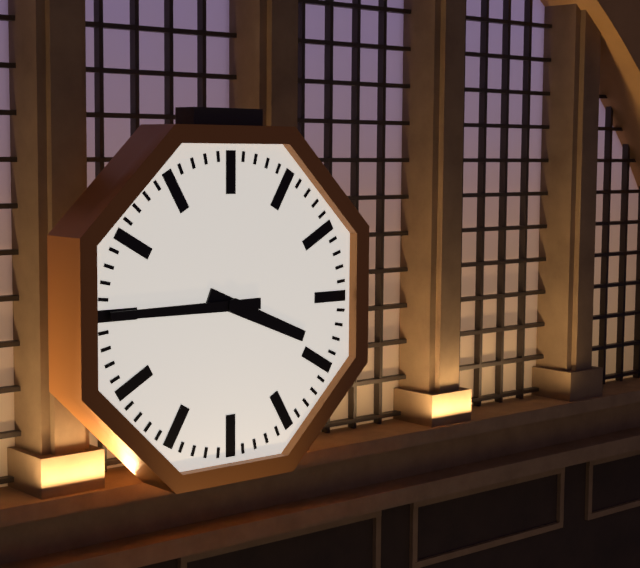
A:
3,45
